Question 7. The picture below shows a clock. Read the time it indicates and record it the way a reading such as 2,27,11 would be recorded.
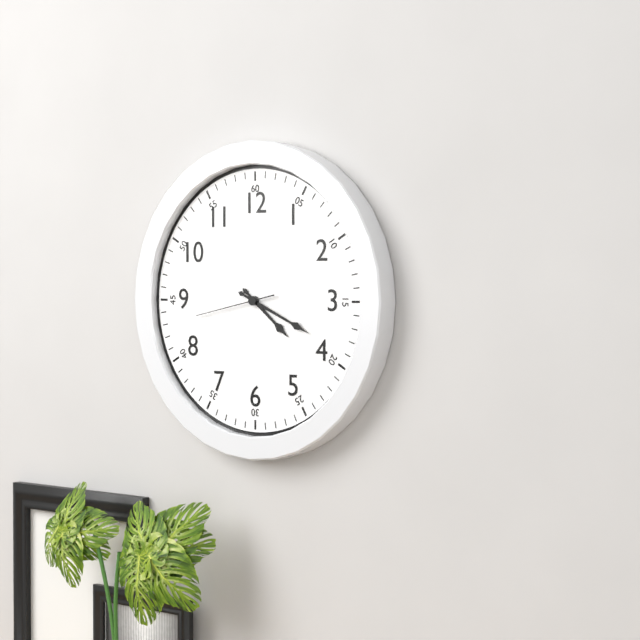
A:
4,19,43
